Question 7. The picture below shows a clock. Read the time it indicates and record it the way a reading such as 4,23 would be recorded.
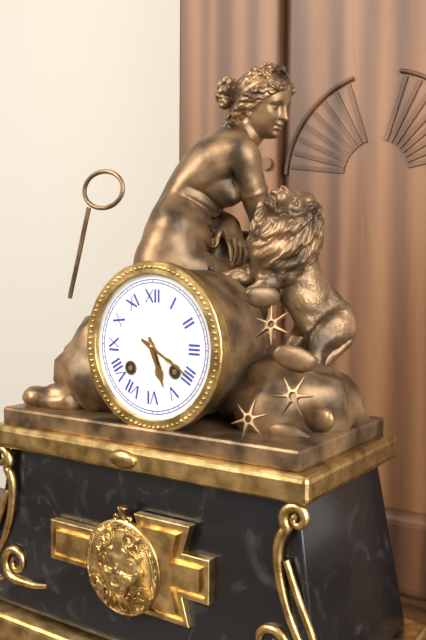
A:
5,20
